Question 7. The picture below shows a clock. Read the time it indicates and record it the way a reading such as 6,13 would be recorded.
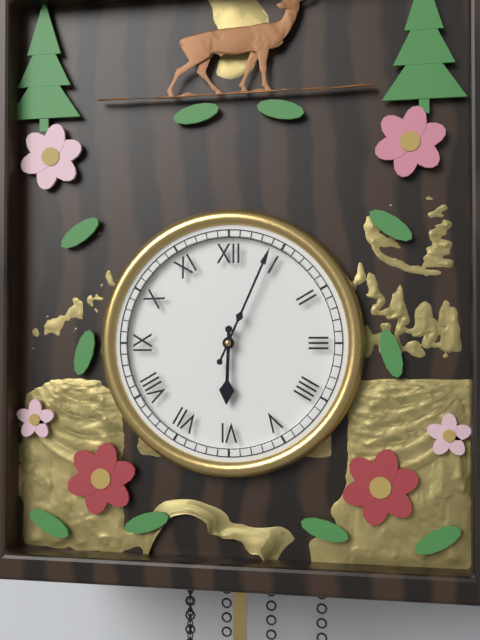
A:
6,04
